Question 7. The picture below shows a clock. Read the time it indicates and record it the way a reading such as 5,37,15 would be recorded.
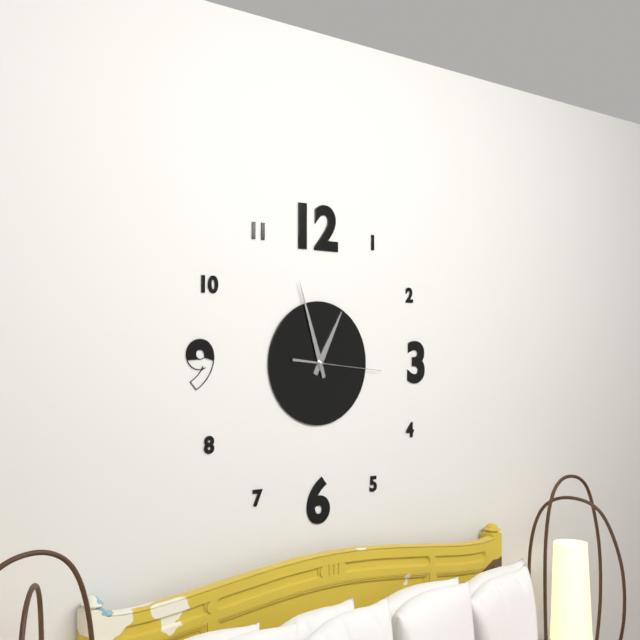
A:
12,57,16
